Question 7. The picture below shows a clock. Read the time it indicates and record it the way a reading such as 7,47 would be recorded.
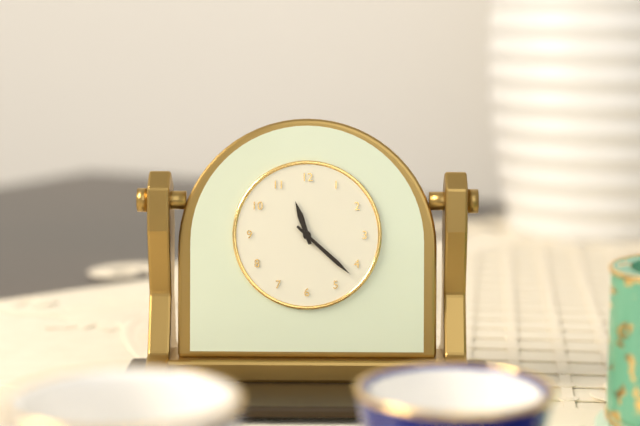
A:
11,22
